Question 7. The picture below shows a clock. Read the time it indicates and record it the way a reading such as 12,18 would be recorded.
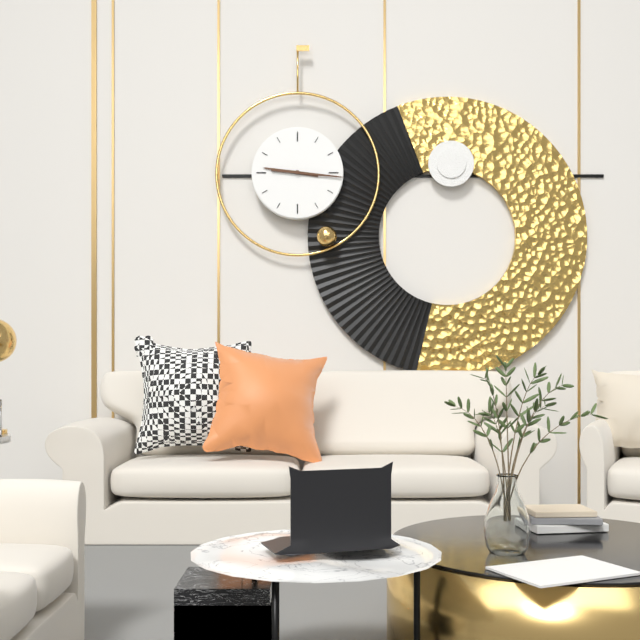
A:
9,16
